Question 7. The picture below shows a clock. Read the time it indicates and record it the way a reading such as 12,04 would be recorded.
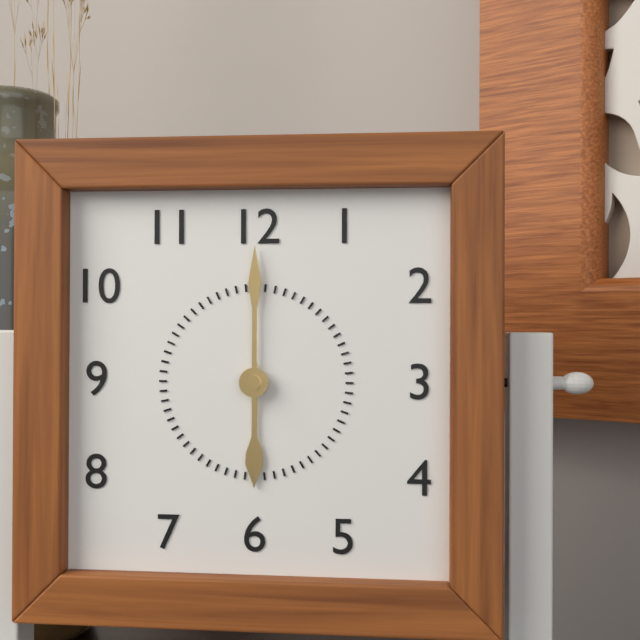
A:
6,00
